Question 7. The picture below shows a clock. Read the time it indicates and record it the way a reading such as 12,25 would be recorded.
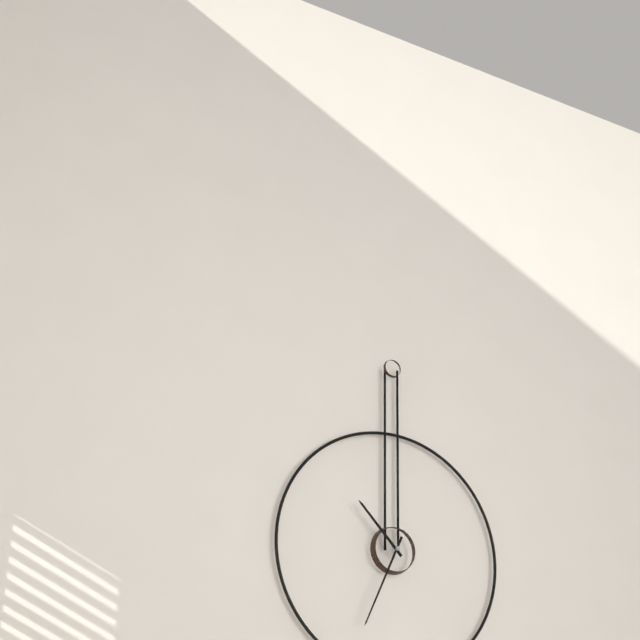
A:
10,34
